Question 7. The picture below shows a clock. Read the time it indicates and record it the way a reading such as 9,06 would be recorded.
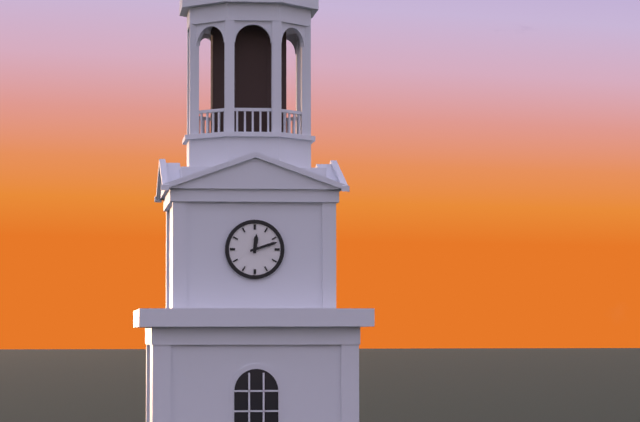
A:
12,12
